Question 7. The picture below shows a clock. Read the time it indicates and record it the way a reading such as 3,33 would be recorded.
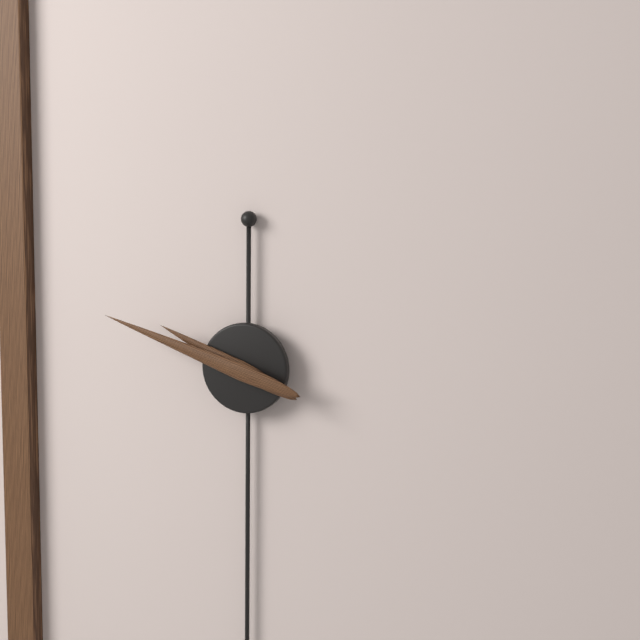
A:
9,48
